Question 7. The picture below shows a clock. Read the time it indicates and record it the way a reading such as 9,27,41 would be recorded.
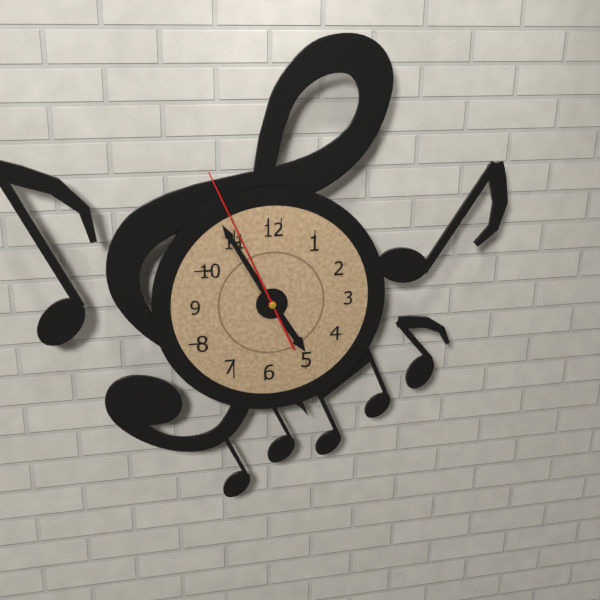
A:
4,55,56
